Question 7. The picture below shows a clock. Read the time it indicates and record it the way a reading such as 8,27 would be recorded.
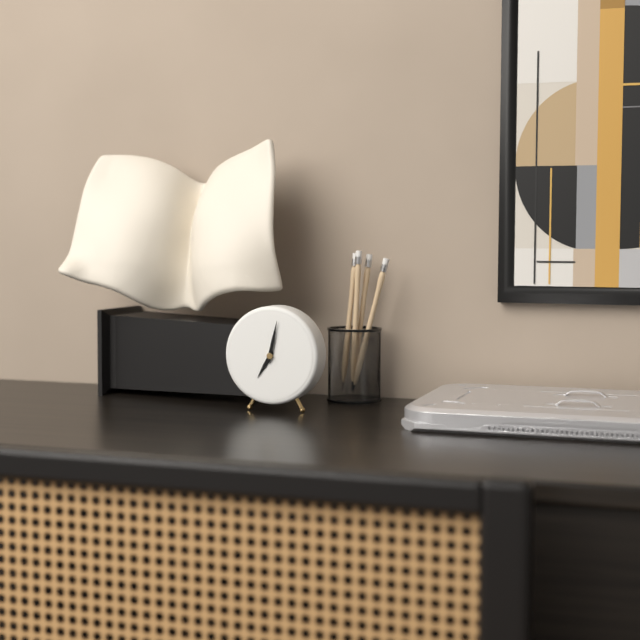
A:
7,02
